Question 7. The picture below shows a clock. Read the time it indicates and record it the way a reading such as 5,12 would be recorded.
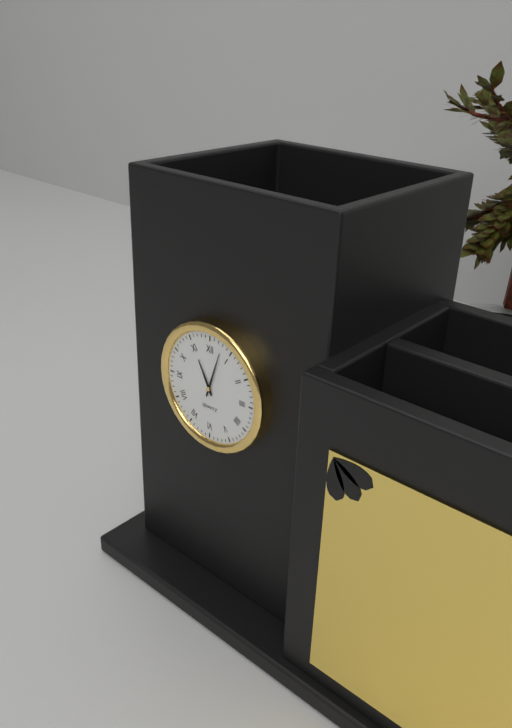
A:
11,03
